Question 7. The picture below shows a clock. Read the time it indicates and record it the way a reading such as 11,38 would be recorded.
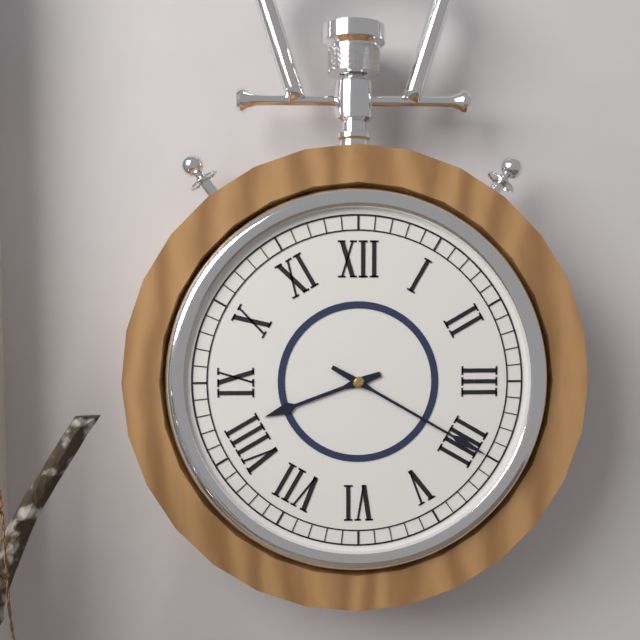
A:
8,20
